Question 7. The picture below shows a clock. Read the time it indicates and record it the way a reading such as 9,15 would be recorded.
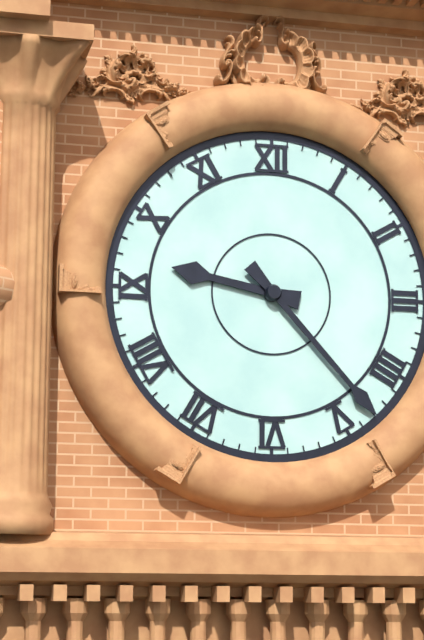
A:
9,23
